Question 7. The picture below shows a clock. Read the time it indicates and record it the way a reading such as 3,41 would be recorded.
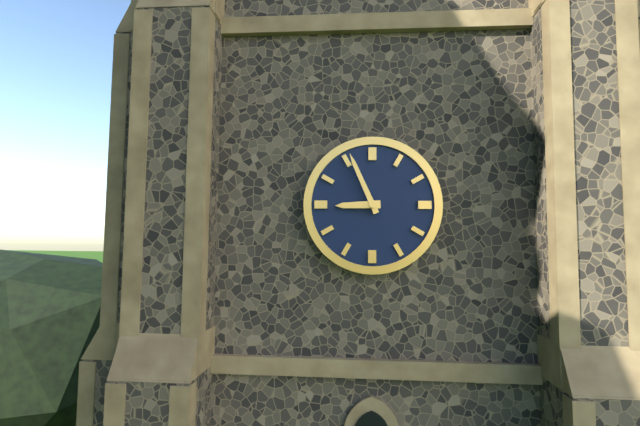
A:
8,56
